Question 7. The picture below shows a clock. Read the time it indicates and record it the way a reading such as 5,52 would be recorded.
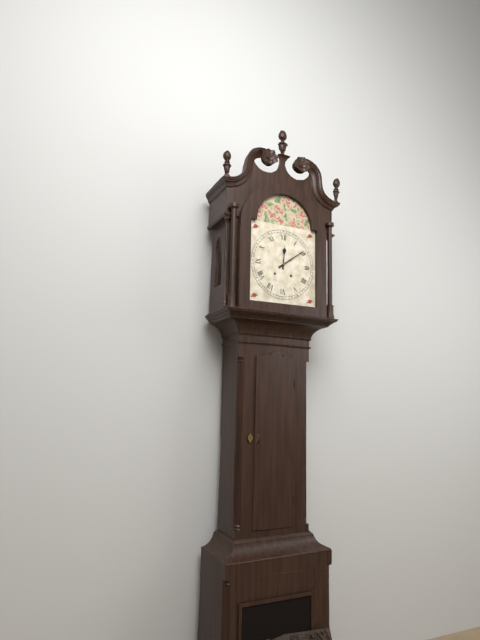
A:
12,09
